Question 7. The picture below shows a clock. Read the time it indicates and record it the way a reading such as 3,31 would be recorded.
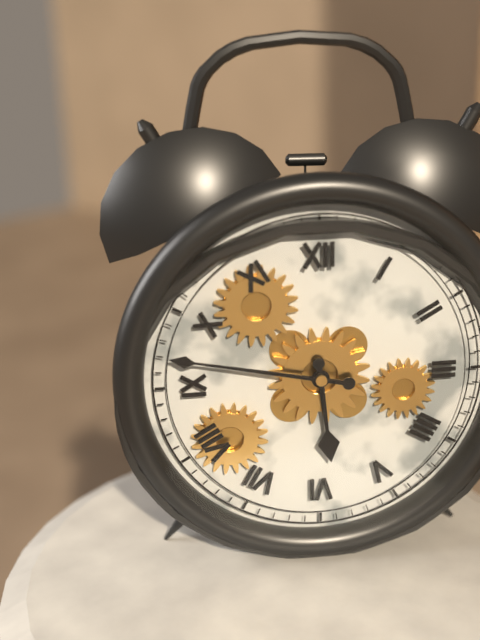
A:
5,47
